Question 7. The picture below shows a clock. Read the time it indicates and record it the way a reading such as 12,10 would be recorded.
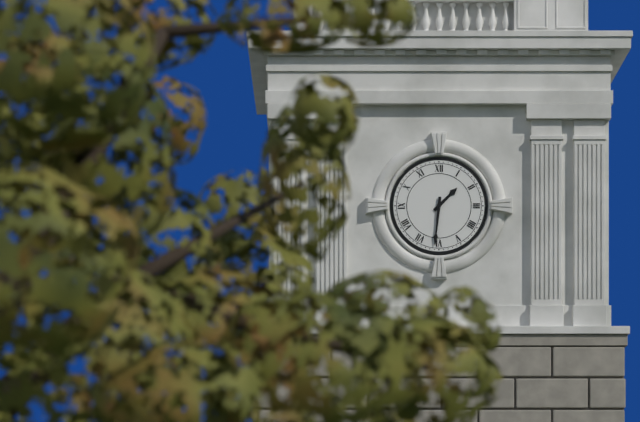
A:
1,31
